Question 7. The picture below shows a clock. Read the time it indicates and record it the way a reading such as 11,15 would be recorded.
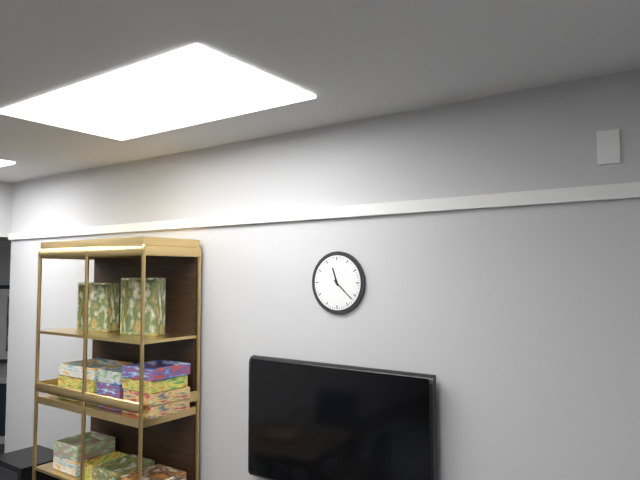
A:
11,22
